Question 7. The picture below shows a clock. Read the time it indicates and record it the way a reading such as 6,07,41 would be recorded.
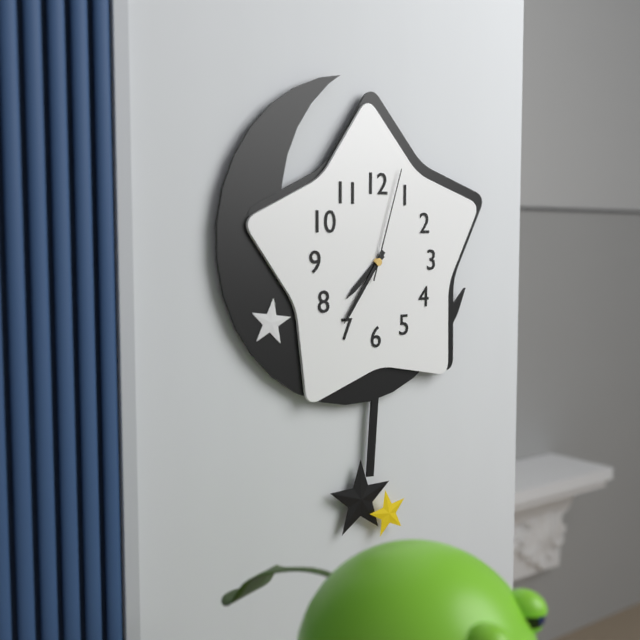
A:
7,36,03
